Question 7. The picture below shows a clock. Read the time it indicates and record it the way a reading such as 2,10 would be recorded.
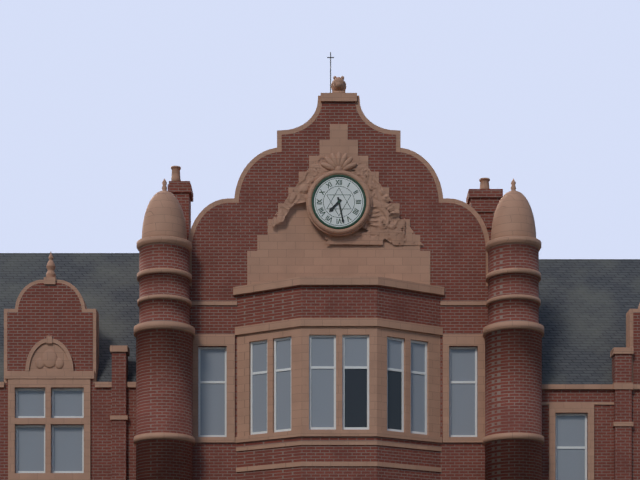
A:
7,28
